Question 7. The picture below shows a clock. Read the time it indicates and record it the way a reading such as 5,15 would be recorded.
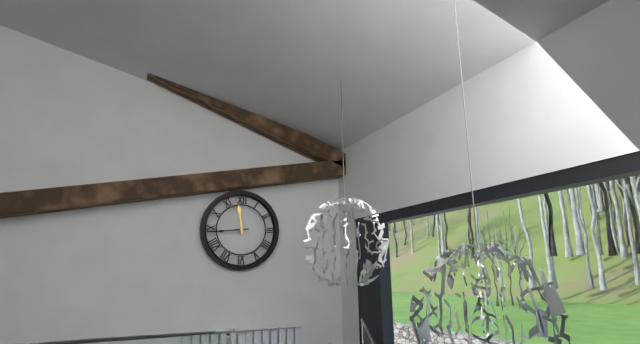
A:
11,44
